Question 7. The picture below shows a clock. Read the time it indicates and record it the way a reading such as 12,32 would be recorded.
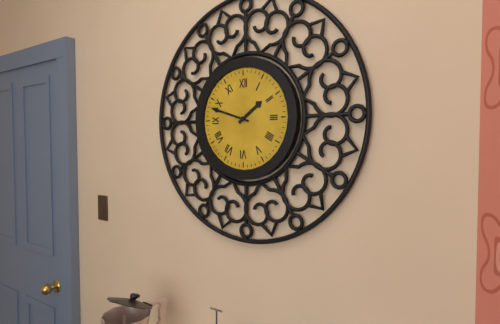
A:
1,48
